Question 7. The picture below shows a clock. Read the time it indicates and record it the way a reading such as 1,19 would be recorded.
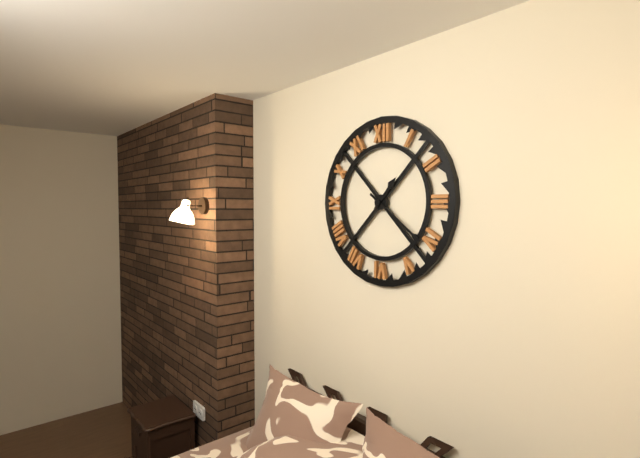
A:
1,21
